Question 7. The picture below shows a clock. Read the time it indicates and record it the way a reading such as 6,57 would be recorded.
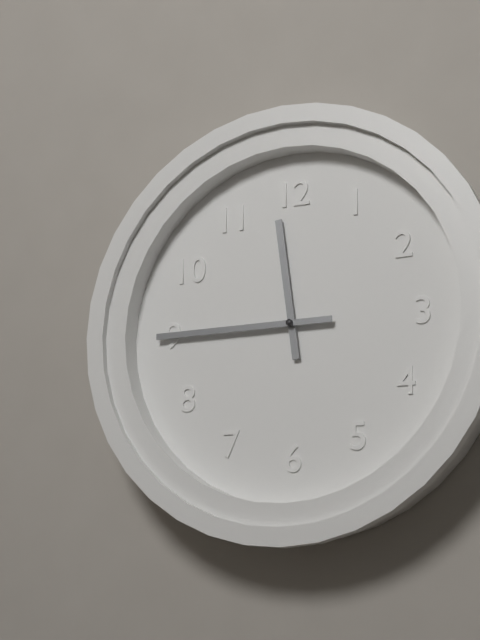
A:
11,45
